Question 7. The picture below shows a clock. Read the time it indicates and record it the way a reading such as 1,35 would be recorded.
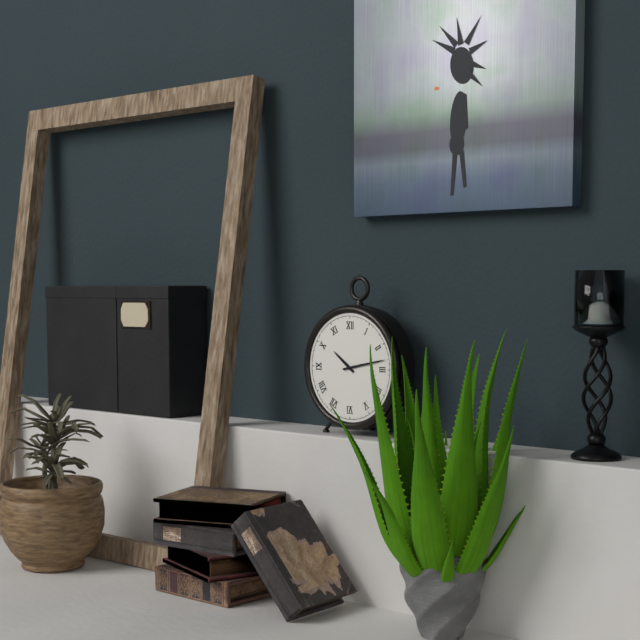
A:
10,13
